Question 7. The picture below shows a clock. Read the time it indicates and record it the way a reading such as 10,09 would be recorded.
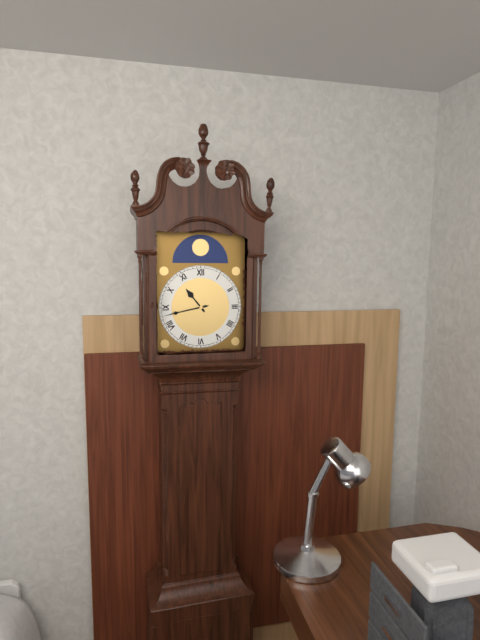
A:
10,43
